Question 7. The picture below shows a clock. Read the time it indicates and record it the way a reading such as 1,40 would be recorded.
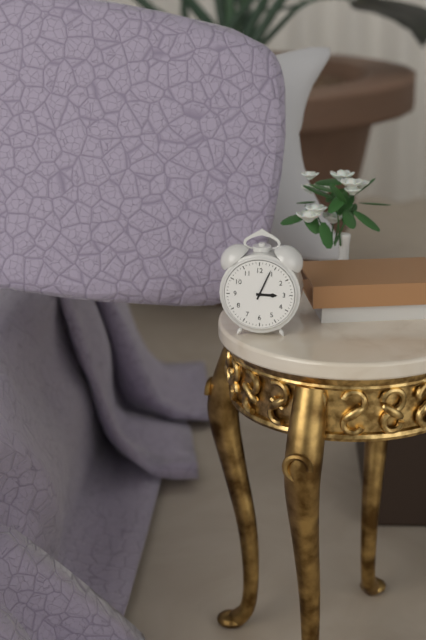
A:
3,04
